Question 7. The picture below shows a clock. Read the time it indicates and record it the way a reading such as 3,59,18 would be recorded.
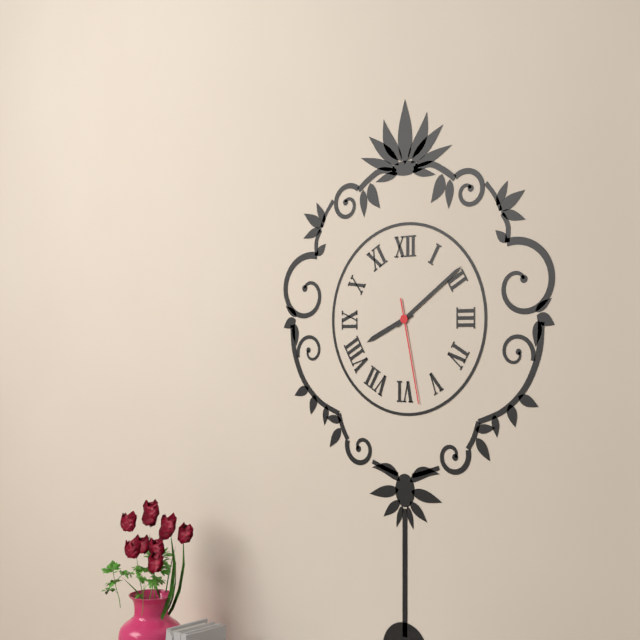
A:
8,09,28
